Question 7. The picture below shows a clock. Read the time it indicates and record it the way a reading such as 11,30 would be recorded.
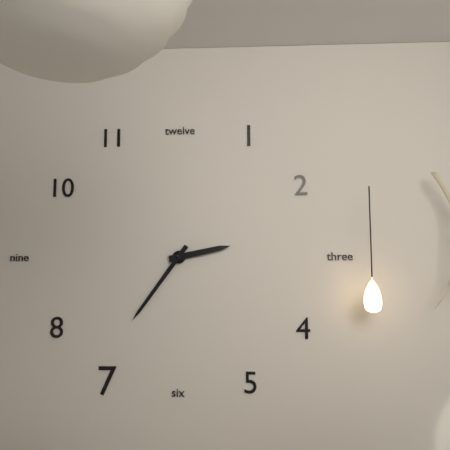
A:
2,36
